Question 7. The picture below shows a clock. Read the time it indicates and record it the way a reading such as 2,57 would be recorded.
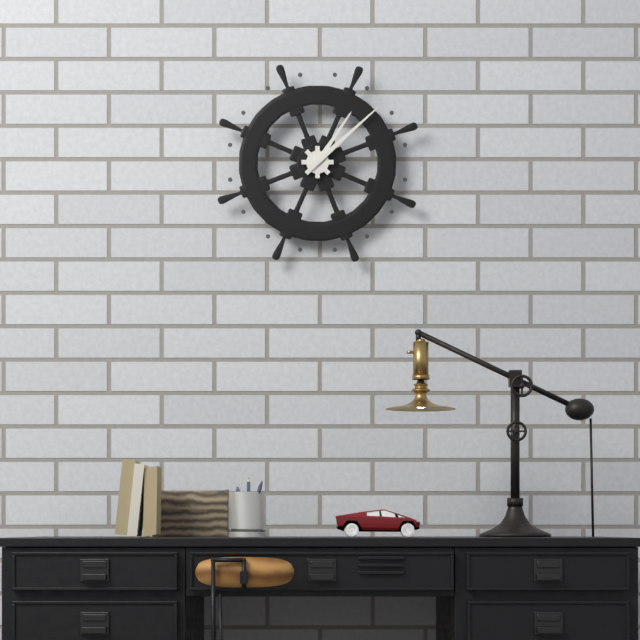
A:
1,08
